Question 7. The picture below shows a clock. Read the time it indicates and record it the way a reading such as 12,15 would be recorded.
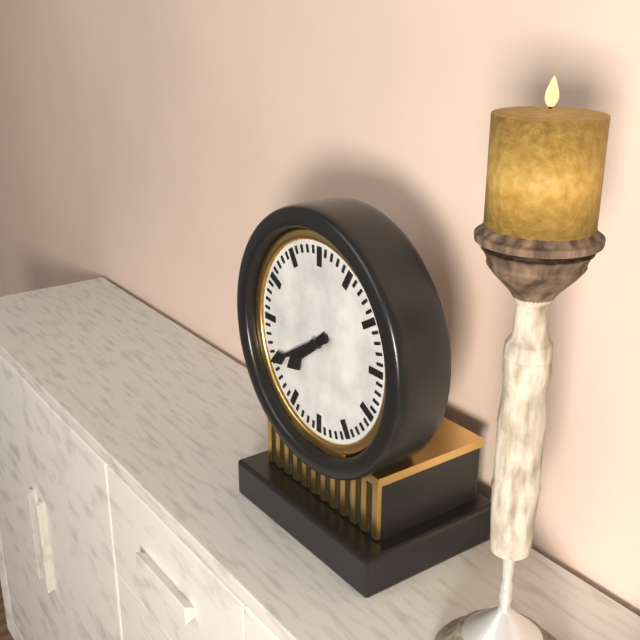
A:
7,40
